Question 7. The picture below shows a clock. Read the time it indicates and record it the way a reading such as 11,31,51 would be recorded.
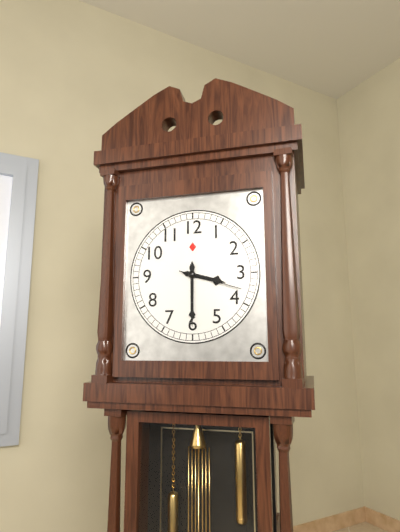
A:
3,30,18
